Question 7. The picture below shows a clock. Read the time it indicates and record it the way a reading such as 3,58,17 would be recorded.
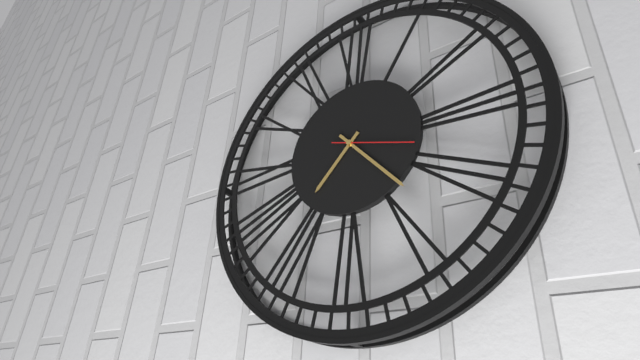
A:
7,23,18
